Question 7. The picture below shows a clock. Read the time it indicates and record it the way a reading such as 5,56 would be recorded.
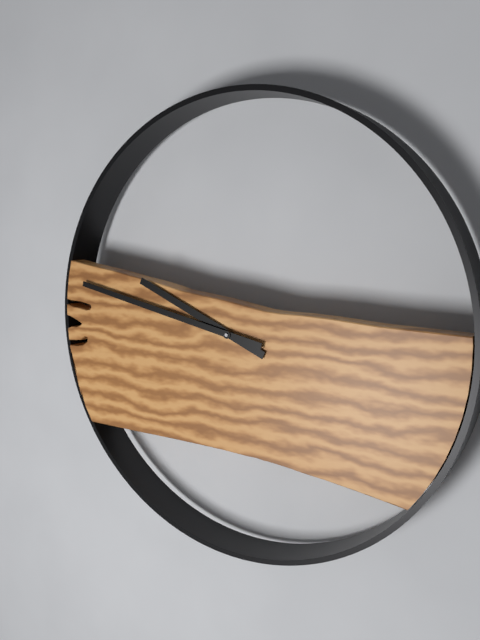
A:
9,47
